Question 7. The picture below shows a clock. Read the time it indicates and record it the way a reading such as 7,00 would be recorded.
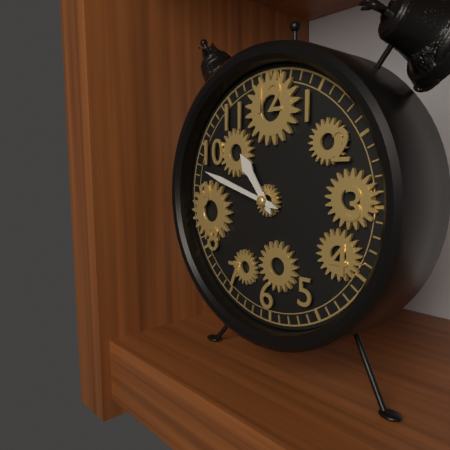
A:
10,48
